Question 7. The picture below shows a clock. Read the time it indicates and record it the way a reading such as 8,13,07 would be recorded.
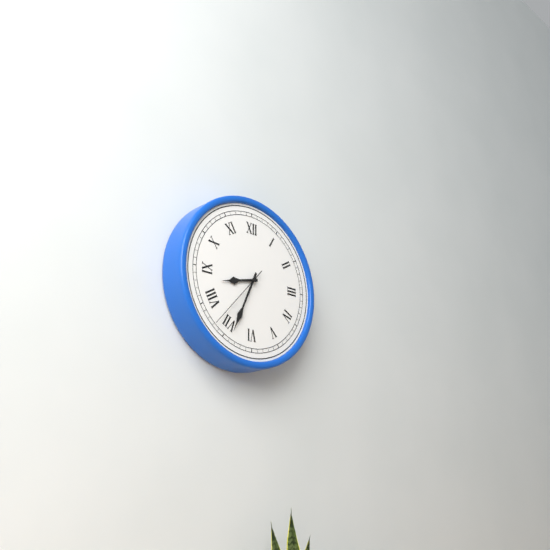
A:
8,34,37
